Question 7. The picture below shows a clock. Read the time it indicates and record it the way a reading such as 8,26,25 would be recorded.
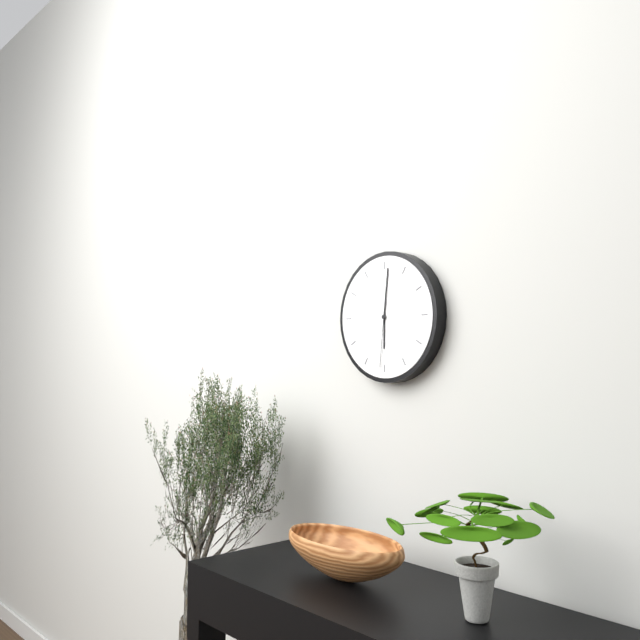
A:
6,01,31
